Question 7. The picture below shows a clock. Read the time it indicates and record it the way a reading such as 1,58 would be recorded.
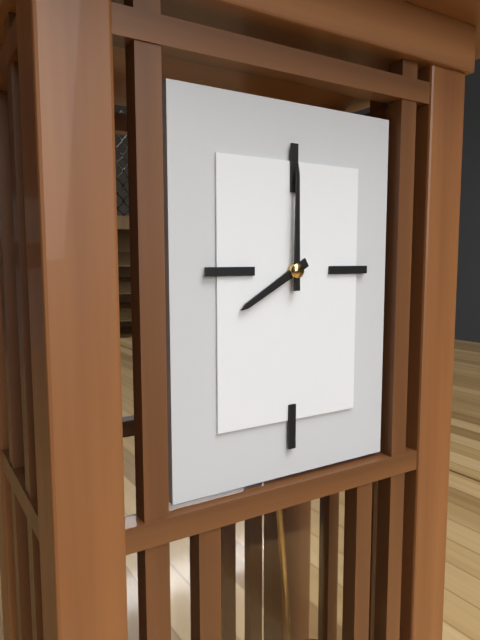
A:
8,00
